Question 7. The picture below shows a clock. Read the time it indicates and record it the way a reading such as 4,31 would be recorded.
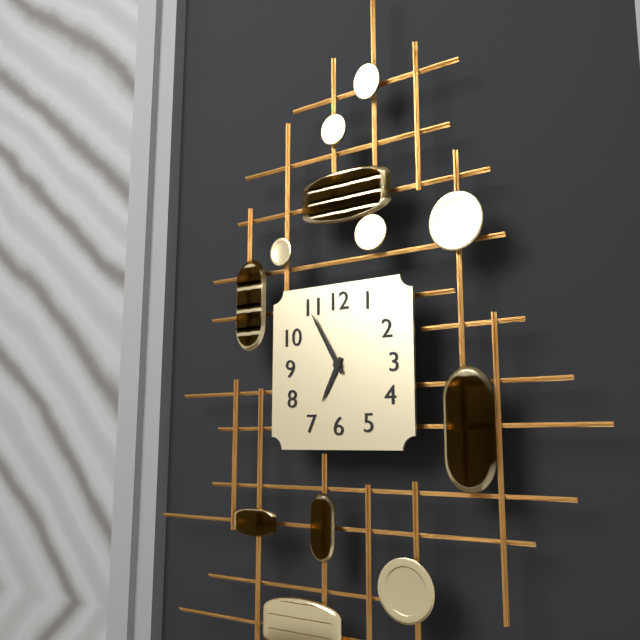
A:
6,55
